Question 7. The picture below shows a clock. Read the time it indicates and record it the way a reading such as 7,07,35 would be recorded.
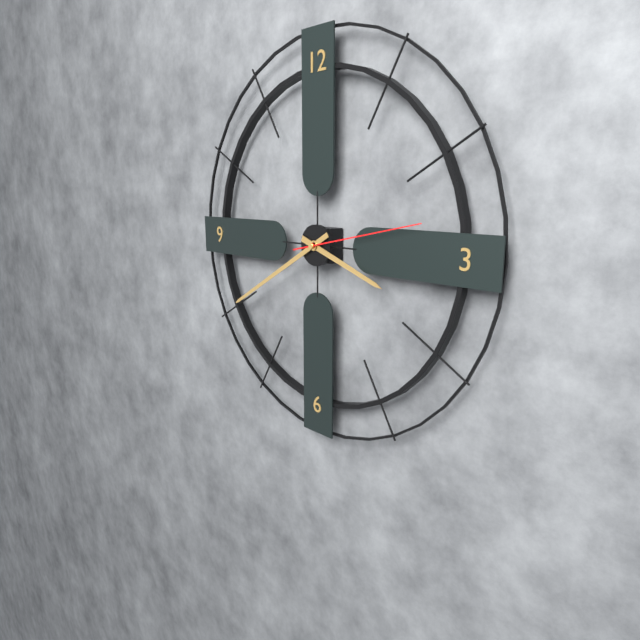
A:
3,40,13
